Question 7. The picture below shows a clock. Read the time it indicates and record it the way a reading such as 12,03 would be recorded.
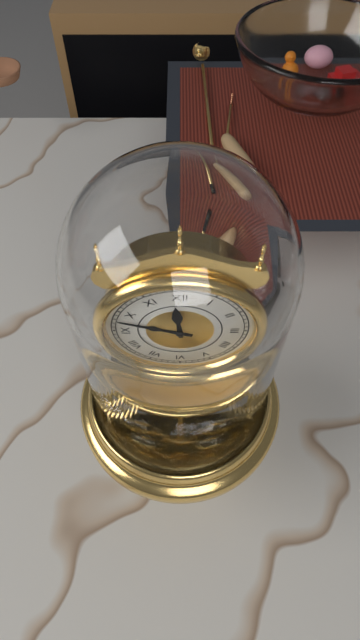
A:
11,48
